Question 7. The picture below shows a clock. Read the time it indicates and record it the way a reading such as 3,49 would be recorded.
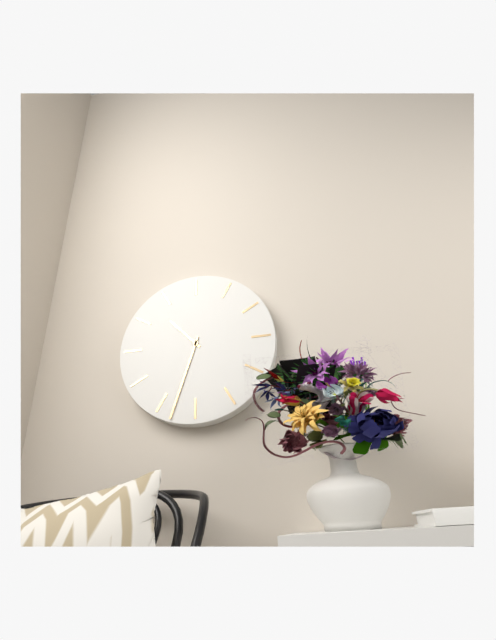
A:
10,33
